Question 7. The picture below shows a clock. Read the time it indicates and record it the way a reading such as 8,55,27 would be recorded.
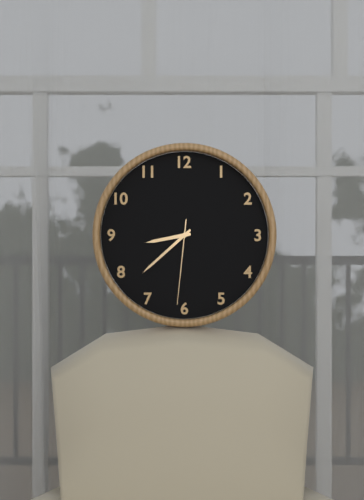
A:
8,38,31
